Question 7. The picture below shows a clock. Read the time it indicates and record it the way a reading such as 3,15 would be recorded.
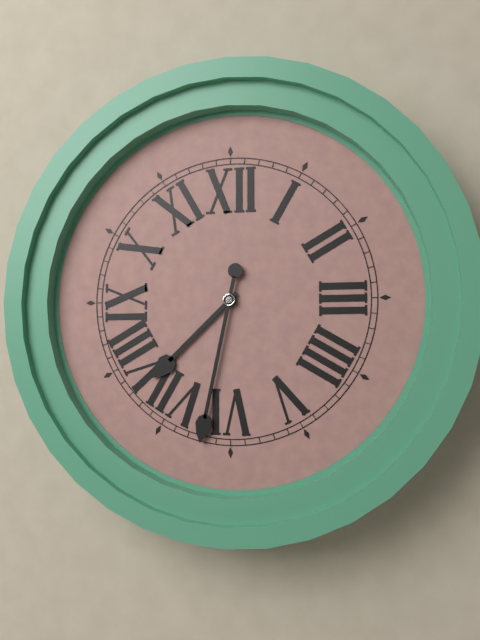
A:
7,32
